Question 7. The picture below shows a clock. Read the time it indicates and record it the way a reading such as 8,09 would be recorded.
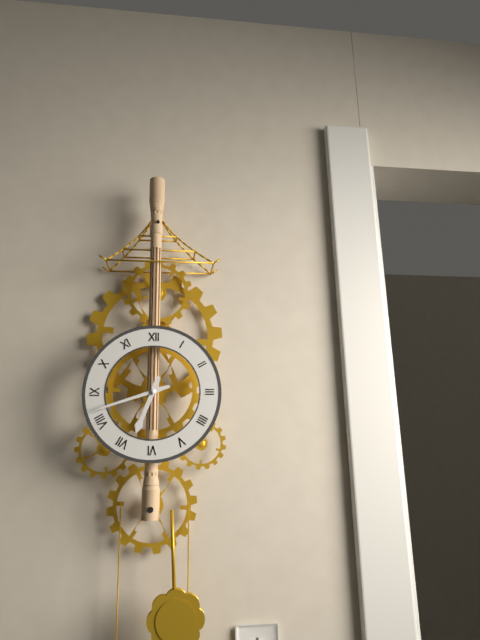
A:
6,42
